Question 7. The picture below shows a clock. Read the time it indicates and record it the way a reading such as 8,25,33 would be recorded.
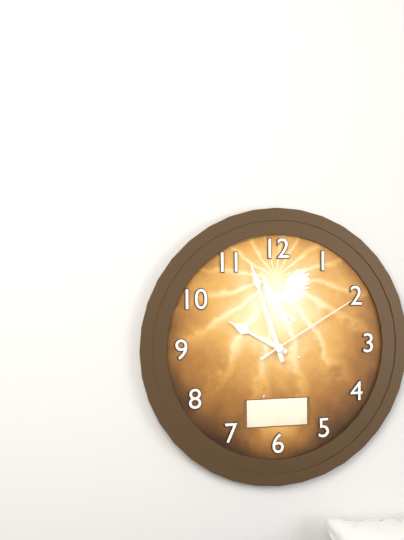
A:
9,57,10
